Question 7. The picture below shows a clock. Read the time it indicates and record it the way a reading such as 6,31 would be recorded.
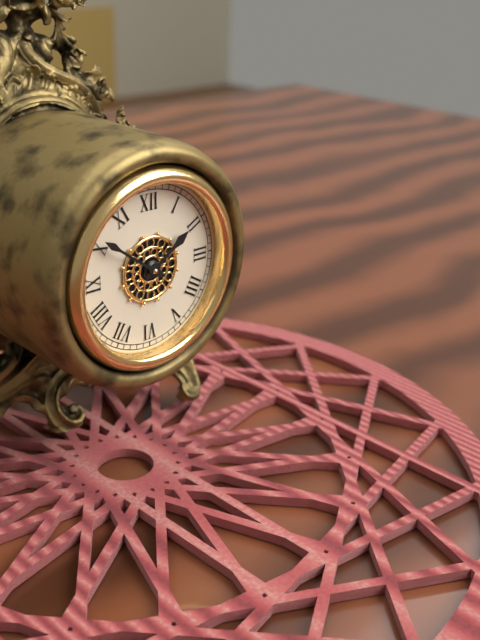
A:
1,51
